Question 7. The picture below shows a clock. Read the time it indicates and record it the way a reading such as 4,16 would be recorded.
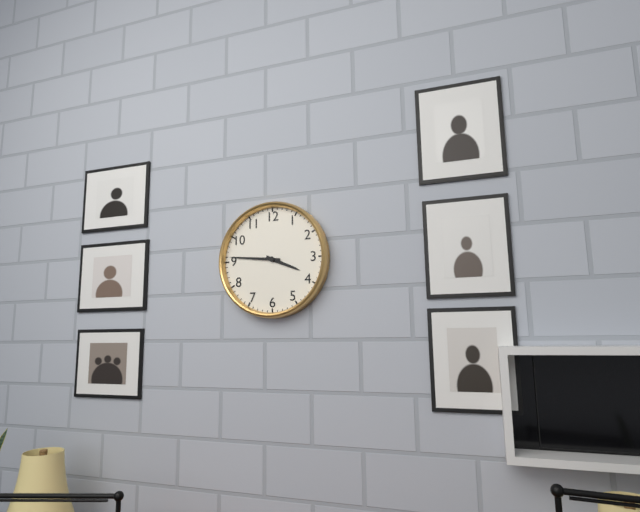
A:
3,46
